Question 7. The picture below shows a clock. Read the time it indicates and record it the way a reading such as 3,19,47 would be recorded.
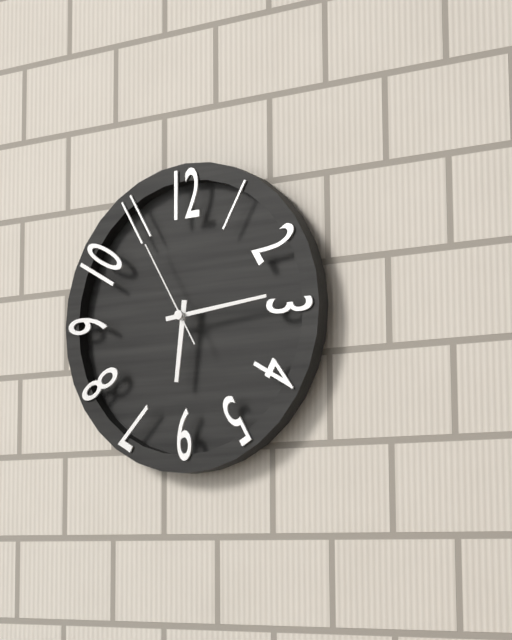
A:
6,14,55
